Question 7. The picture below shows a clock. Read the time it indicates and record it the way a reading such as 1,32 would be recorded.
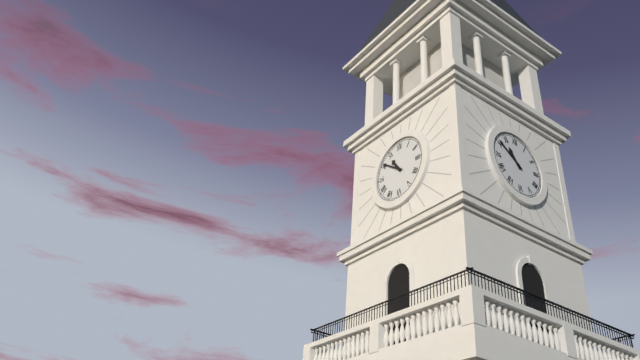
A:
10,51
